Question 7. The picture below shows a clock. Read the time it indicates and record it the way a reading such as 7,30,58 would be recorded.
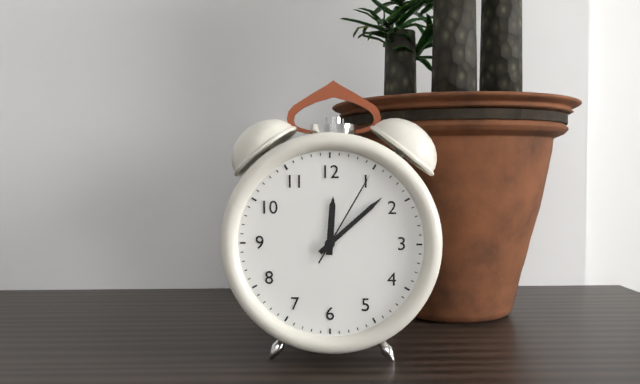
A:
12,08,05
